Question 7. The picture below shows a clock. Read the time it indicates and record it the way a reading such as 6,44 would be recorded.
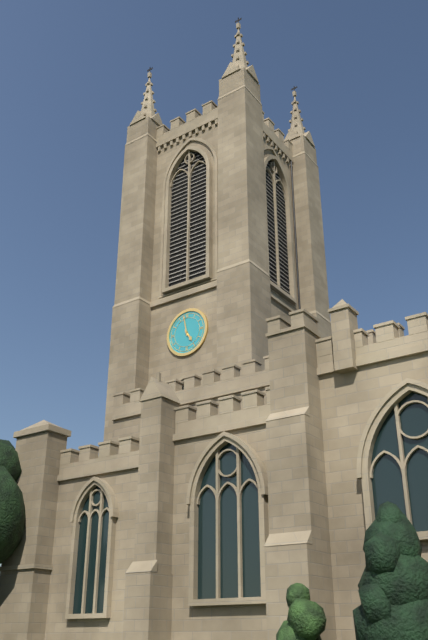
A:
4,58
